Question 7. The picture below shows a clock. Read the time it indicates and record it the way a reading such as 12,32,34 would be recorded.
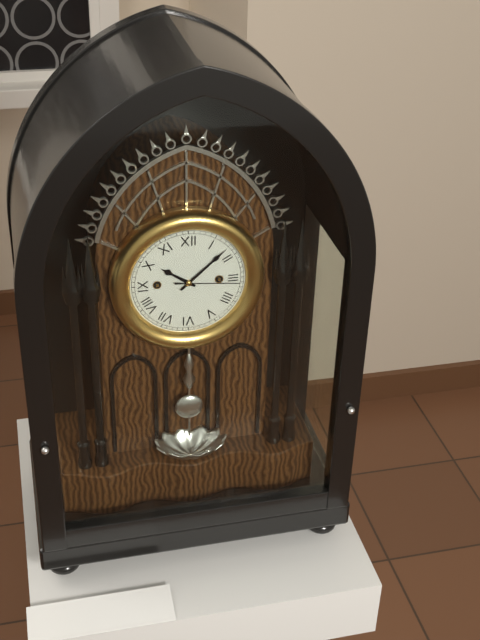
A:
10,08,16
